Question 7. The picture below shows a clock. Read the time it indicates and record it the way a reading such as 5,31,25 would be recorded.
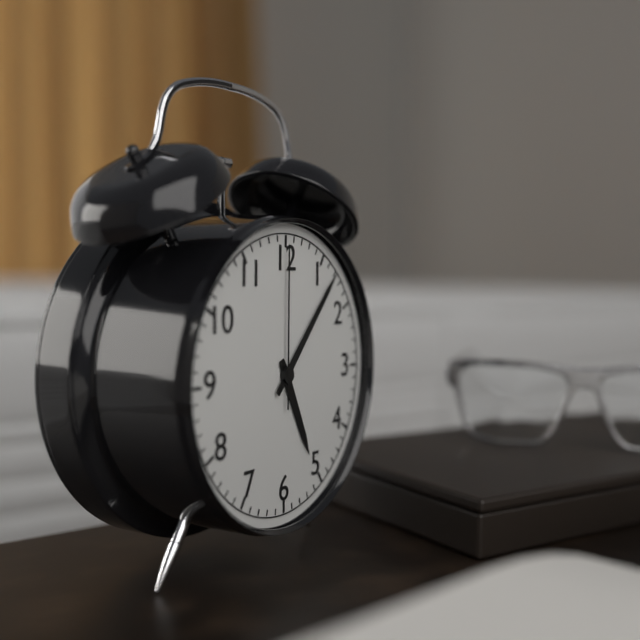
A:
5,07,00
